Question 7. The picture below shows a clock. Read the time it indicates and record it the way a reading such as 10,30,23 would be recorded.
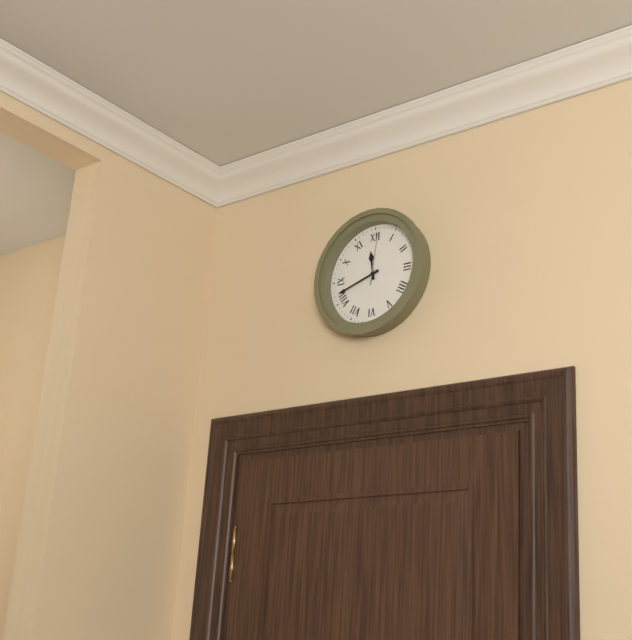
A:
11,42,01
